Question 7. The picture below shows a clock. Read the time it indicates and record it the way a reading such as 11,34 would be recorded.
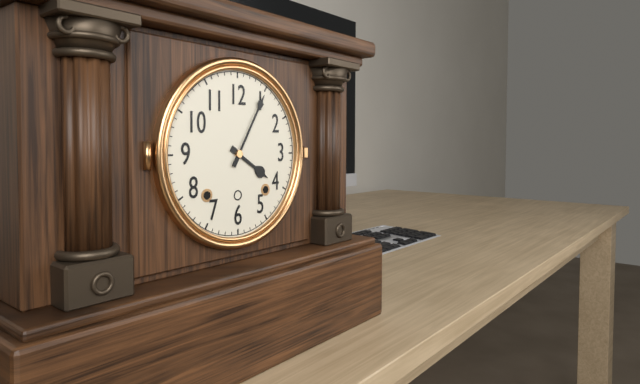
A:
4,05
